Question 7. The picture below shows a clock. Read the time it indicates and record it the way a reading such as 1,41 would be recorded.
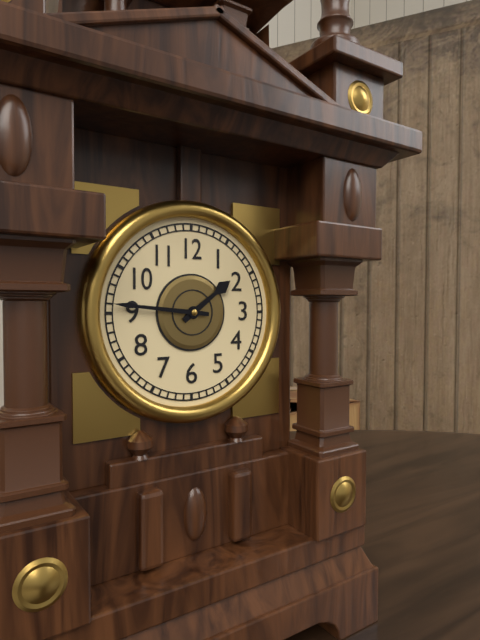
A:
1,46
